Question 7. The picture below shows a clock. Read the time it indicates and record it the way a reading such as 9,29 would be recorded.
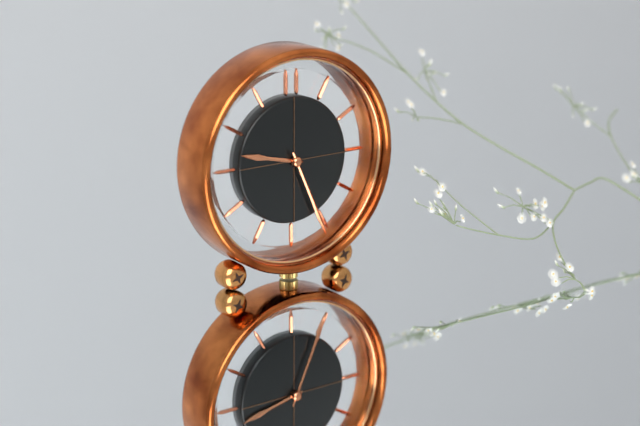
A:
9,26
